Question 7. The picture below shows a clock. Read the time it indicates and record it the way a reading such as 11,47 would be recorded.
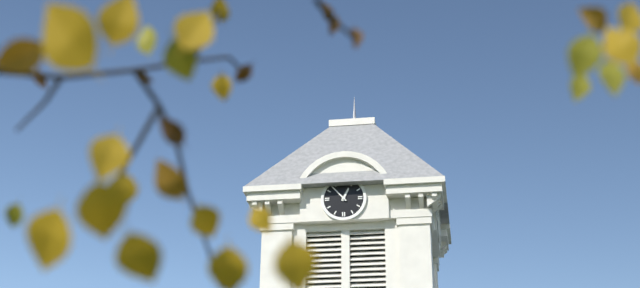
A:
12,53
